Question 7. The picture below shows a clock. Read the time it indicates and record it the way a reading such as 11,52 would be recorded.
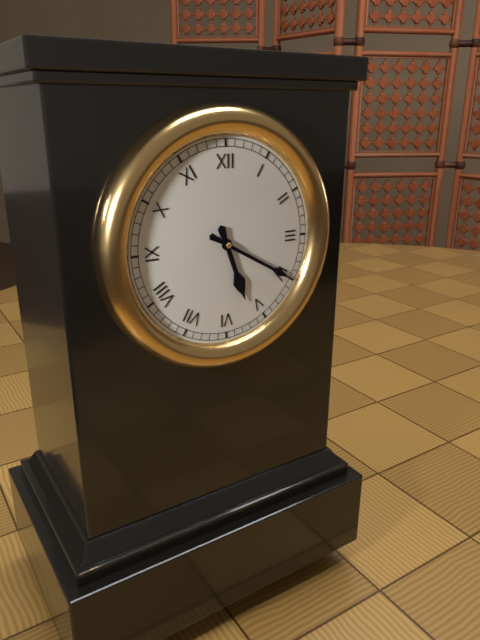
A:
5,20
